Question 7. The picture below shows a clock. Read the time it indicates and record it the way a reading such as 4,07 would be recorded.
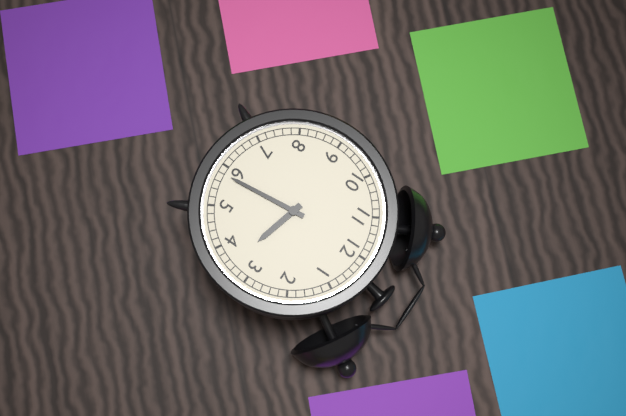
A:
3,29
